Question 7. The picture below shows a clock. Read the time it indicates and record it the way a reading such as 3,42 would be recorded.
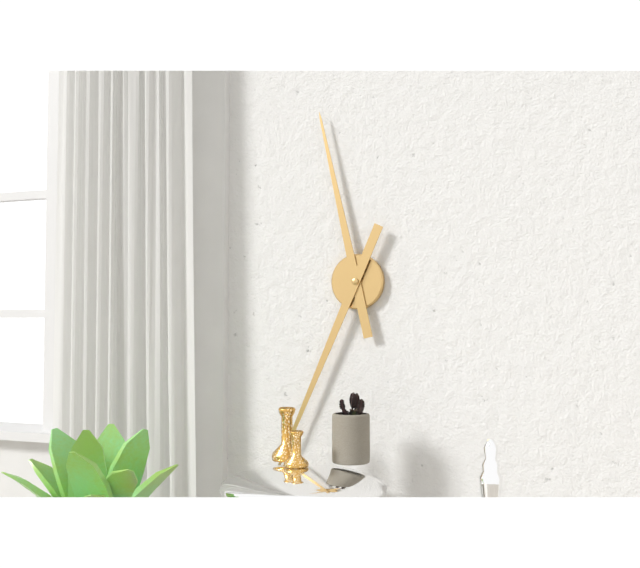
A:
11,34
